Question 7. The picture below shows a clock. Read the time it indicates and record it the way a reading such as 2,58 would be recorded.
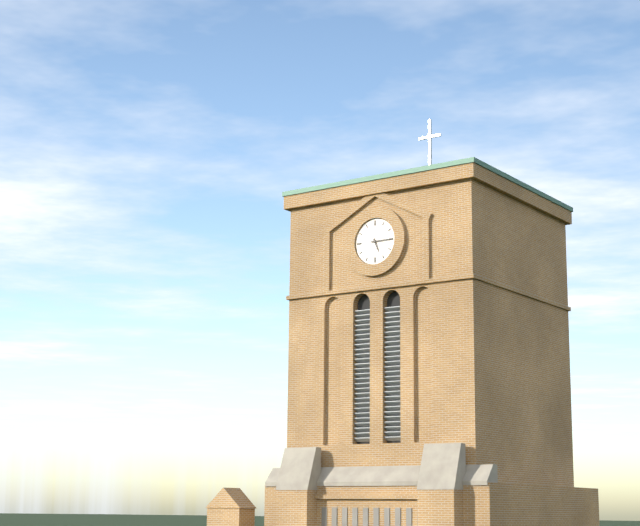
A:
5,15
